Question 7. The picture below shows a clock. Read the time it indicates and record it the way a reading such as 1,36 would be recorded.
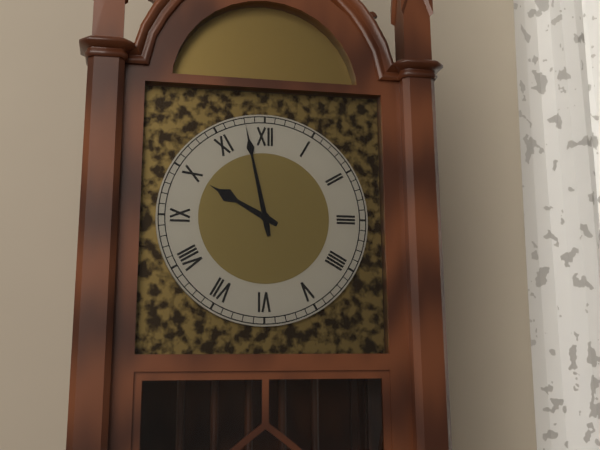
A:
9,58
